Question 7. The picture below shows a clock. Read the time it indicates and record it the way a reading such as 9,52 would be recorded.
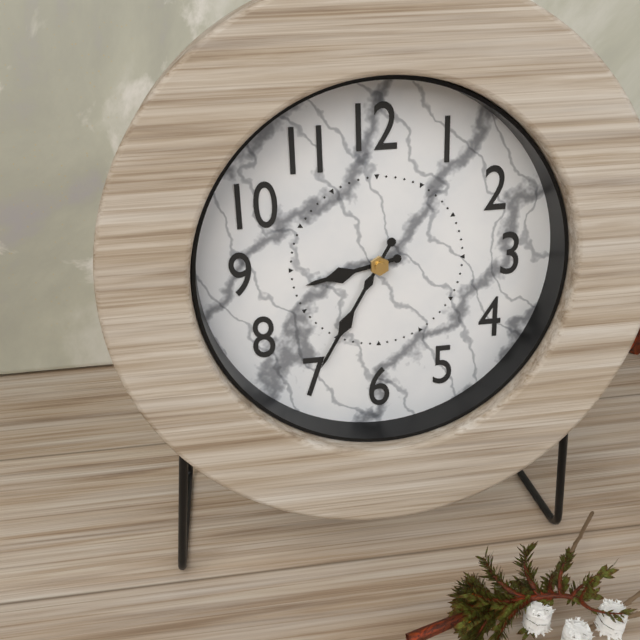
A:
8,35
